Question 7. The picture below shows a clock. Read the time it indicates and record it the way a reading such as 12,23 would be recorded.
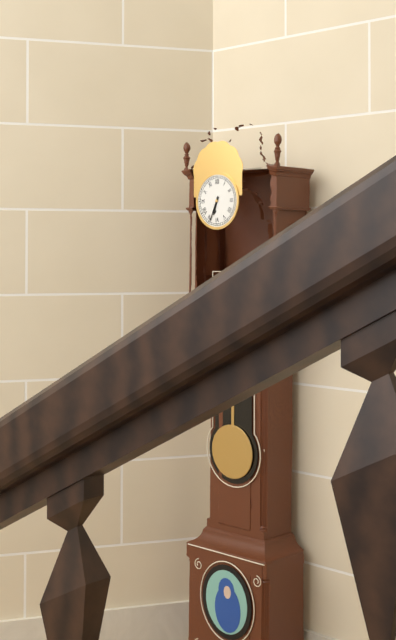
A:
6,34
